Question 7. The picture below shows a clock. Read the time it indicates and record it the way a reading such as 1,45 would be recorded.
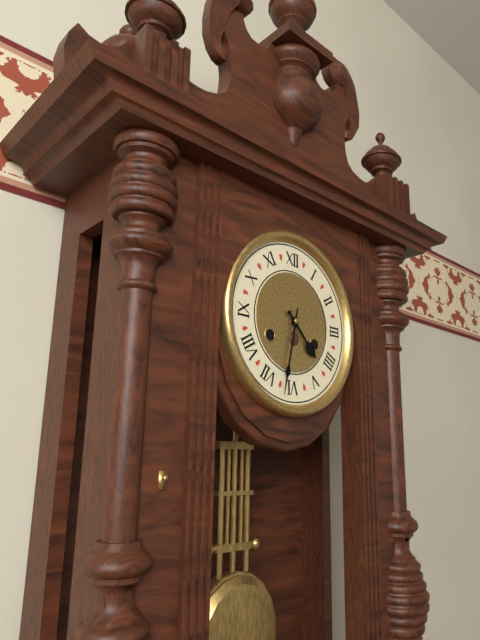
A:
4,32
